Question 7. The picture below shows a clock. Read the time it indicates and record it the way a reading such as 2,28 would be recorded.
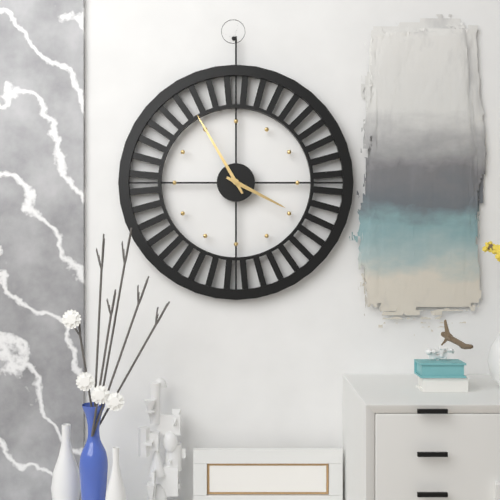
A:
3,55
